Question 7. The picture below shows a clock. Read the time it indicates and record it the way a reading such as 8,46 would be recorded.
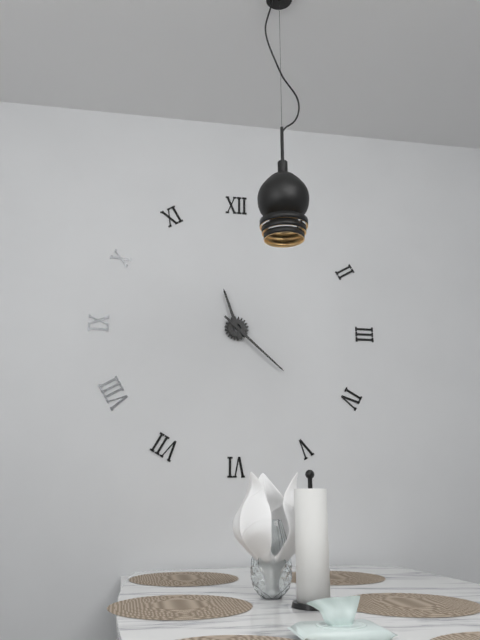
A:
11,22
